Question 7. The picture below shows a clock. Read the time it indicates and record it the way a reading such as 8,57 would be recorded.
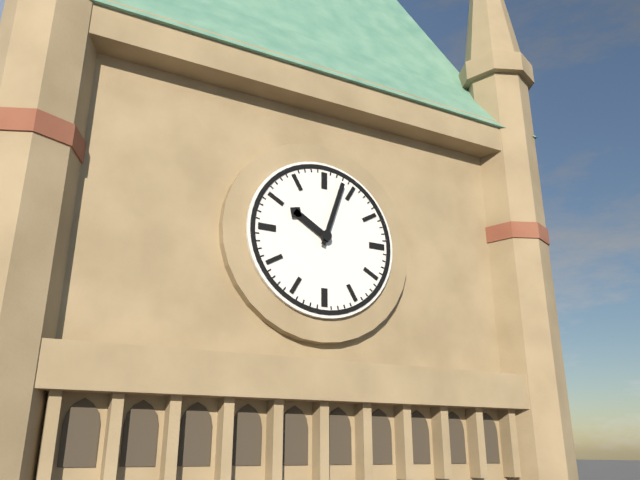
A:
10,03
